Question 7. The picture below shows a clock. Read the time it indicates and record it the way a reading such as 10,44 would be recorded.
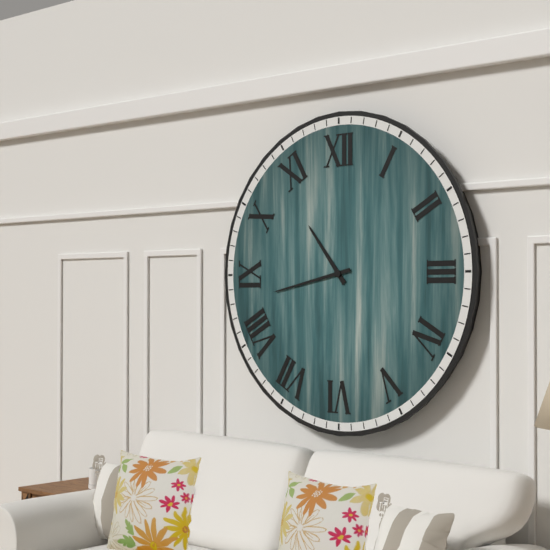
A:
10,43
